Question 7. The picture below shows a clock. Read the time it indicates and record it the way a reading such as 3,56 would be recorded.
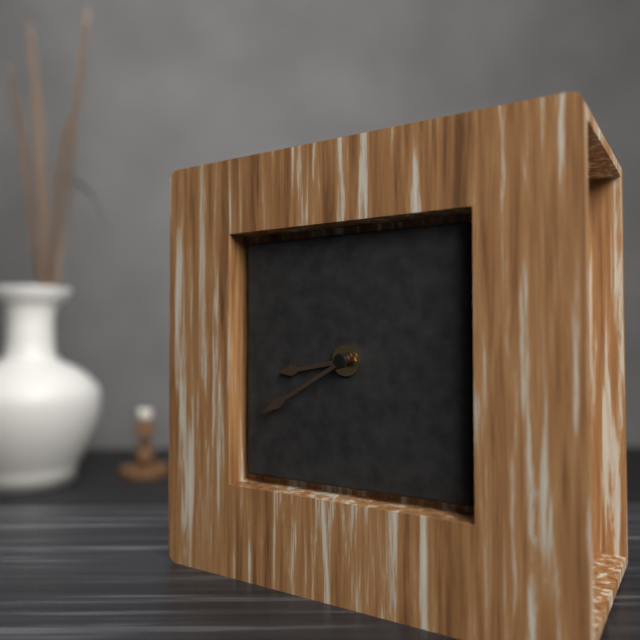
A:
8,40
